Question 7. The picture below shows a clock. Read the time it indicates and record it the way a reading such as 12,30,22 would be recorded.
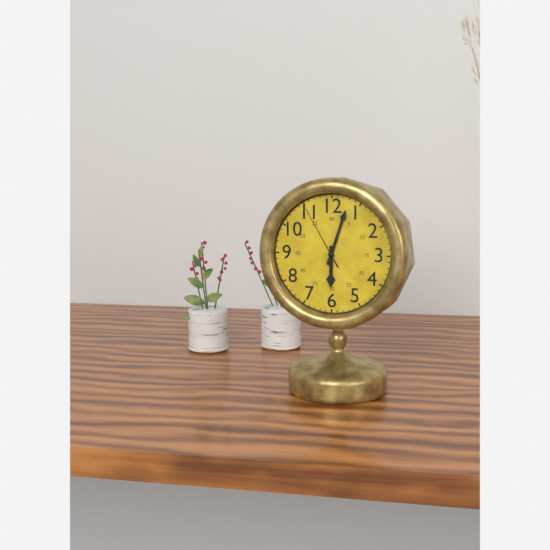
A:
6,03,55
